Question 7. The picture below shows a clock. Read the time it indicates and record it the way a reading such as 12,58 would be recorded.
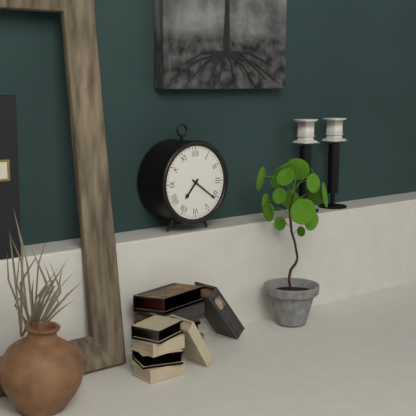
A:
7,21
